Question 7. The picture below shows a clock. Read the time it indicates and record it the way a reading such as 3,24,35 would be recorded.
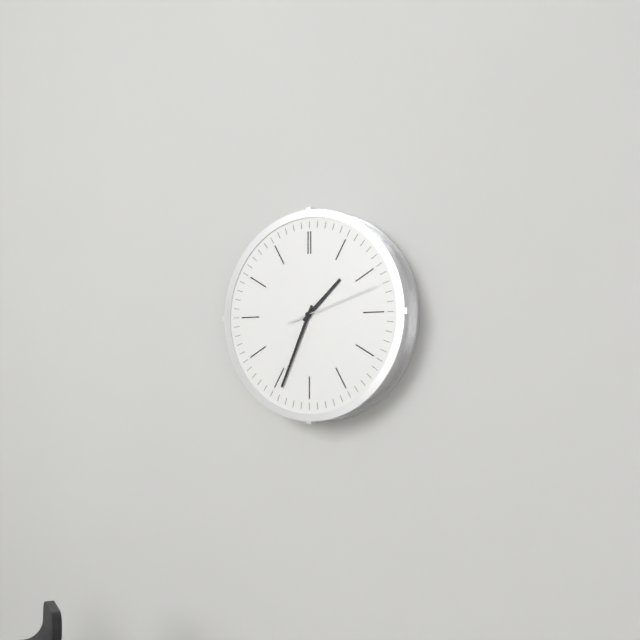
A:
1,34,12
